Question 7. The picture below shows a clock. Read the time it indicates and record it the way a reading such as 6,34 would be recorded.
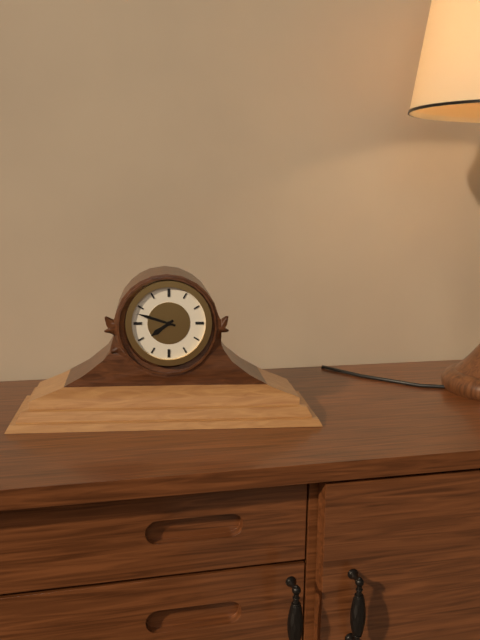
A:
7,48
